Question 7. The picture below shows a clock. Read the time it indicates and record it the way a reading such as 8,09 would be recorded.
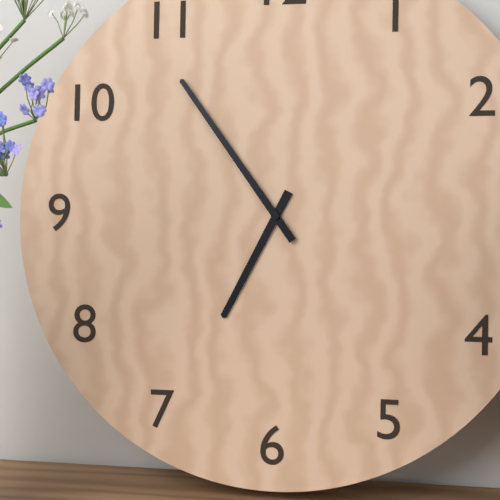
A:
6,54
